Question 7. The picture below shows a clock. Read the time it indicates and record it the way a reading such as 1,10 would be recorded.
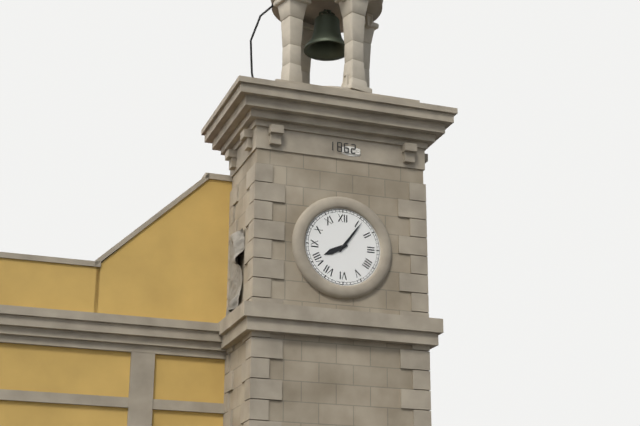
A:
8,06
